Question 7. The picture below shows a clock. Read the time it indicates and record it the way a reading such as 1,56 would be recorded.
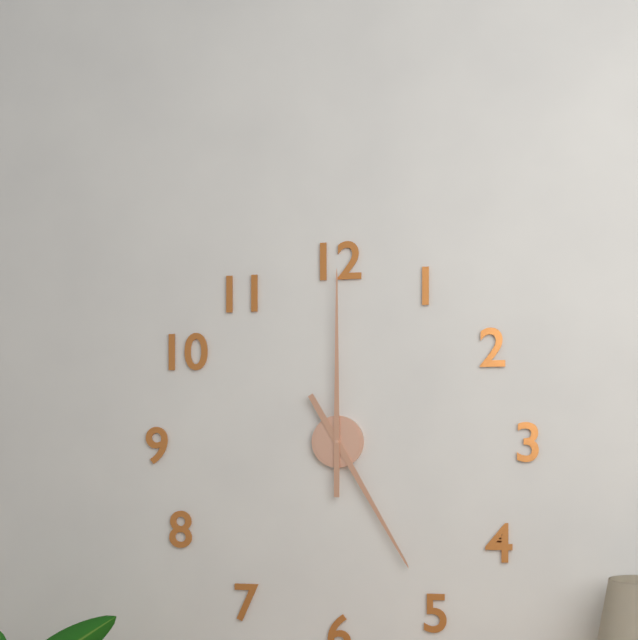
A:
5,00
